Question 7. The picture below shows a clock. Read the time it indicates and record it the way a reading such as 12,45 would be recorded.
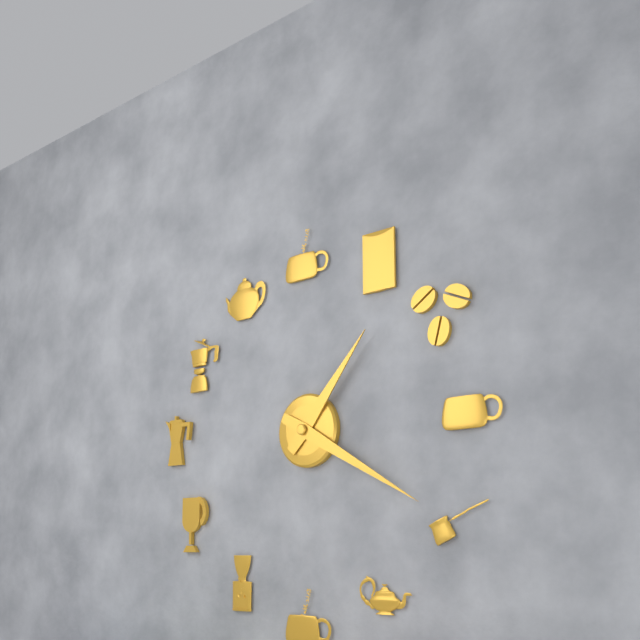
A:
1,20
